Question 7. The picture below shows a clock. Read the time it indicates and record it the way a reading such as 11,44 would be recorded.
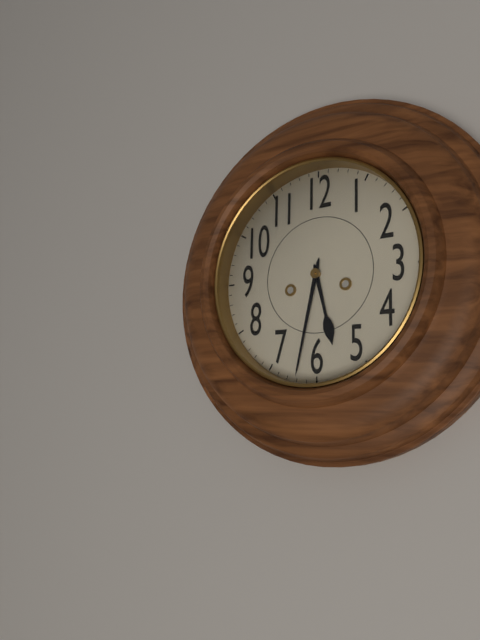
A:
5,32
